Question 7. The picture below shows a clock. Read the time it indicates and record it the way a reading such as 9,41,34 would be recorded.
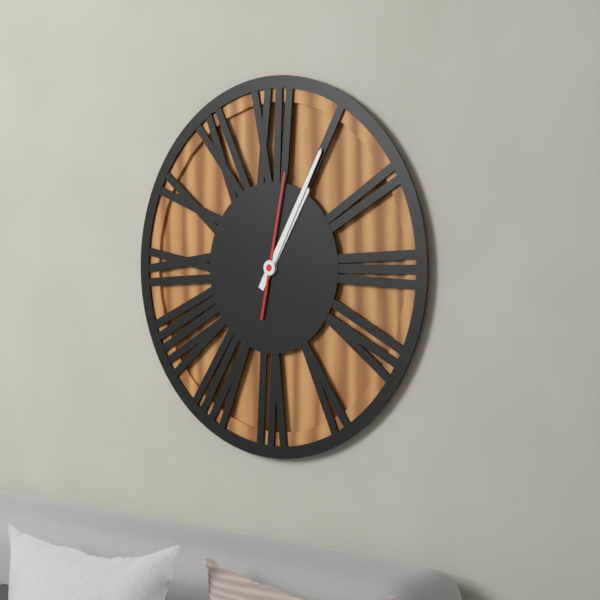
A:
1,05,02
